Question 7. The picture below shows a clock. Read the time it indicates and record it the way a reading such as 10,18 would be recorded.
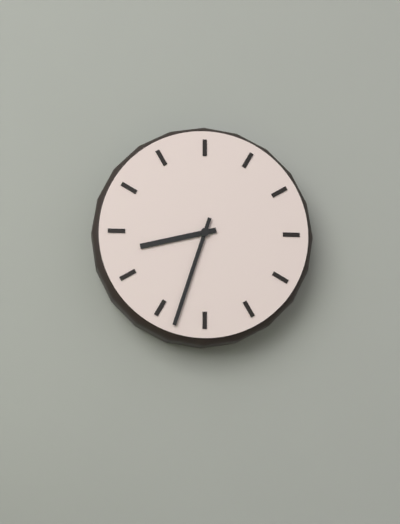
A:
8,33
